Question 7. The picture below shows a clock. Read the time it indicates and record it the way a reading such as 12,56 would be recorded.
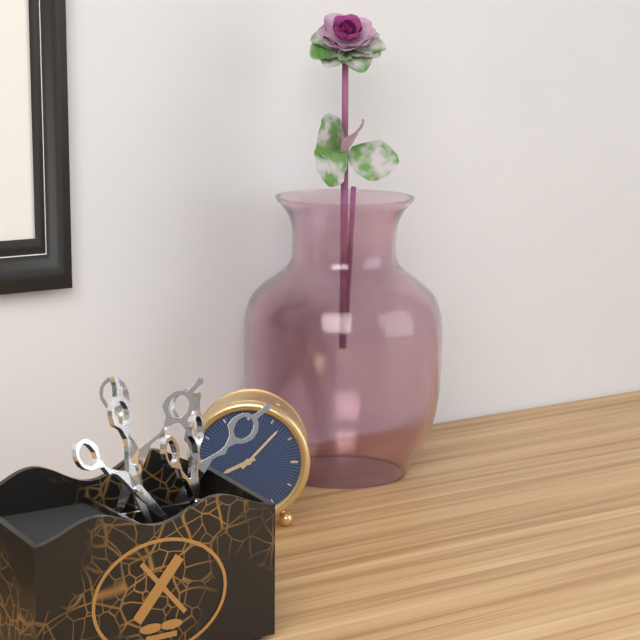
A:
8,07
